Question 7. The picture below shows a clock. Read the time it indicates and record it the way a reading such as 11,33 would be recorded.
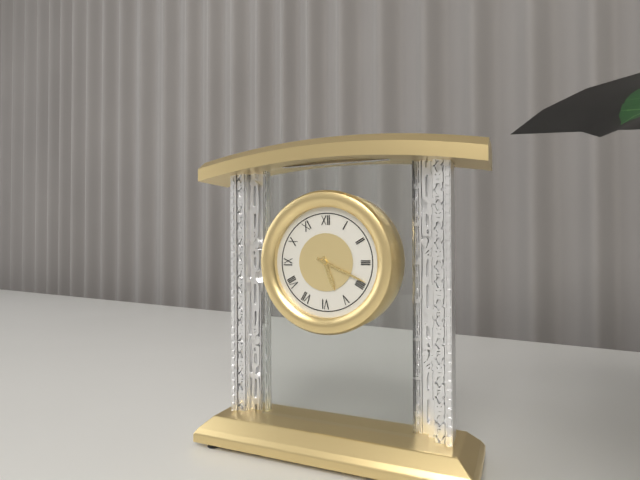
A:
5,19
